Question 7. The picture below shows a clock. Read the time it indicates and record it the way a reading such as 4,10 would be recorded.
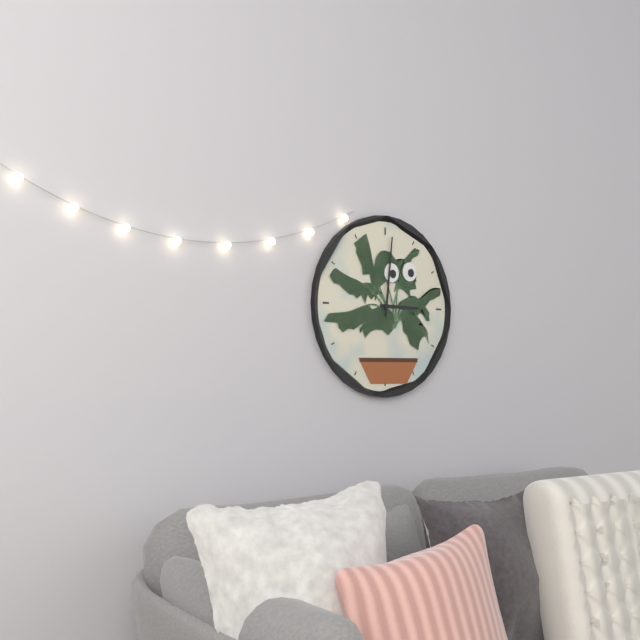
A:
3,01
